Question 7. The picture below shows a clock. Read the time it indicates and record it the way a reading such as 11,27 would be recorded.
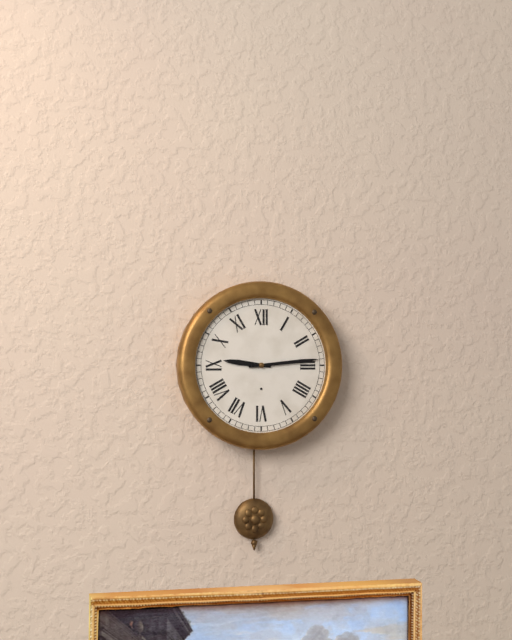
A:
9,14
